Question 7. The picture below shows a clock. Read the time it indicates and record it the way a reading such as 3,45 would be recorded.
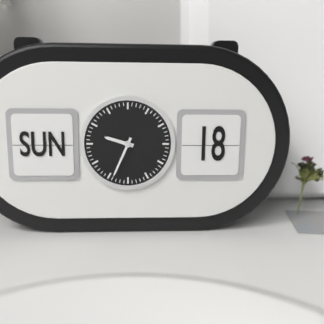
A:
9,34
